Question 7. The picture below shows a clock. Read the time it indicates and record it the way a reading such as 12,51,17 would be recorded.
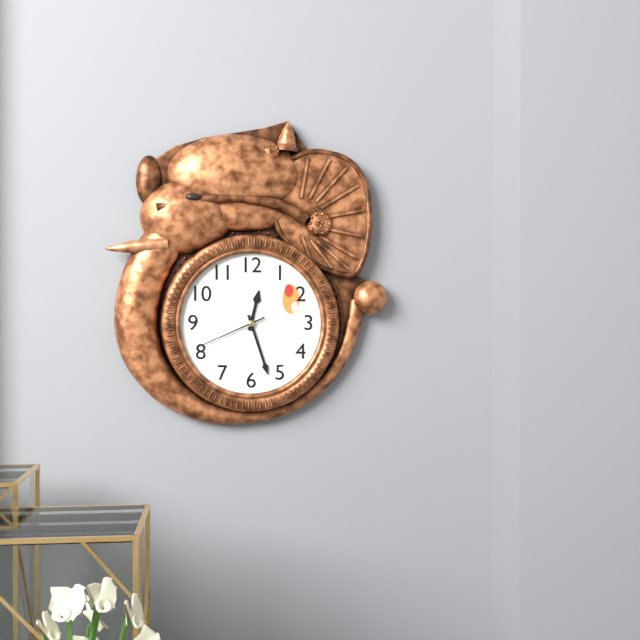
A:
12,27,41
